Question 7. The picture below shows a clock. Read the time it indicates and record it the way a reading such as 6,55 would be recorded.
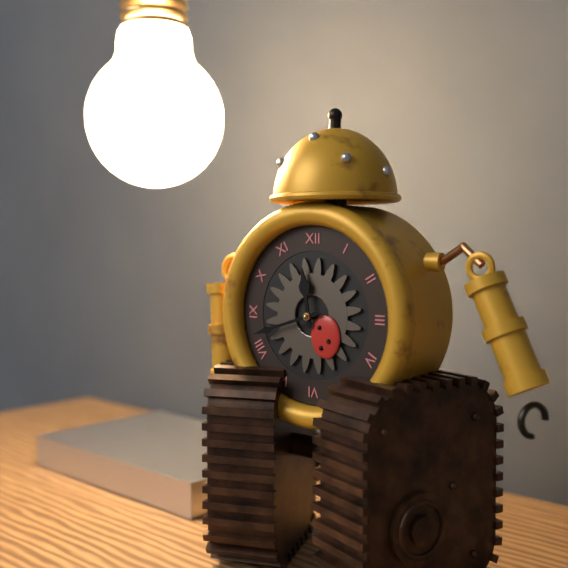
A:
11,42
